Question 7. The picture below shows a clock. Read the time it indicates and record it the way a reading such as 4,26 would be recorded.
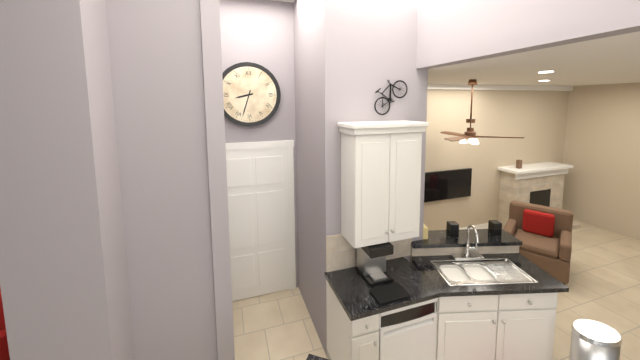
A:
8,33
